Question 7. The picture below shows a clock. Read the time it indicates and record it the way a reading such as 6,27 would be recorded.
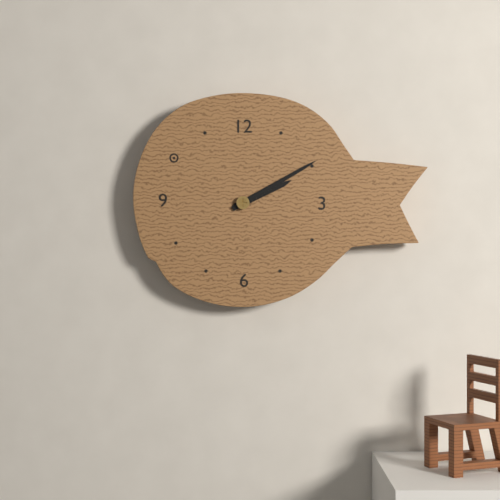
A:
2,10
